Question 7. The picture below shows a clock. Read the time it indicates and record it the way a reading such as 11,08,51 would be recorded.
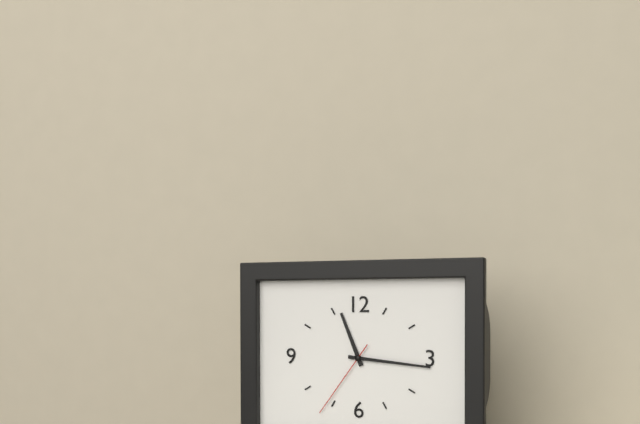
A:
11,16,36
